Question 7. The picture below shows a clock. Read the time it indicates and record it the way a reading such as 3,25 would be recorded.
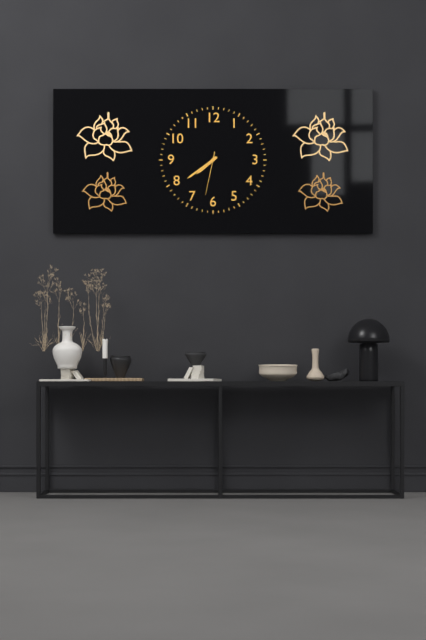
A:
7,39
